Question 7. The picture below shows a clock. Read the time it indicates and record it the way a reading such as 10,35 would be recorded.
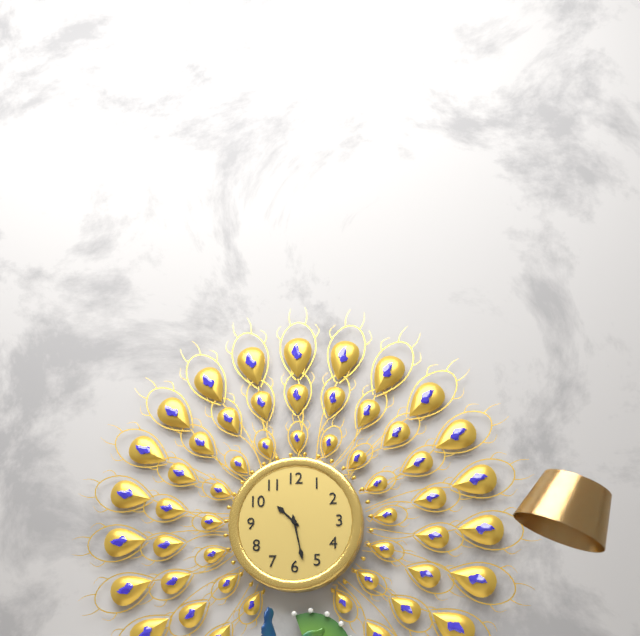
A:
10,28
